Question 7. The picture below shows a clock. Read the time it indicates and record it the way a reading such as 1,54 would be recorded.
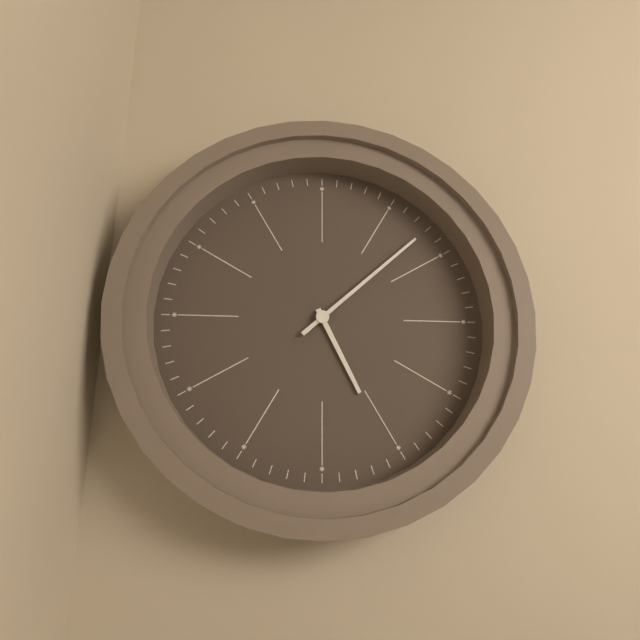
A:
5,08
